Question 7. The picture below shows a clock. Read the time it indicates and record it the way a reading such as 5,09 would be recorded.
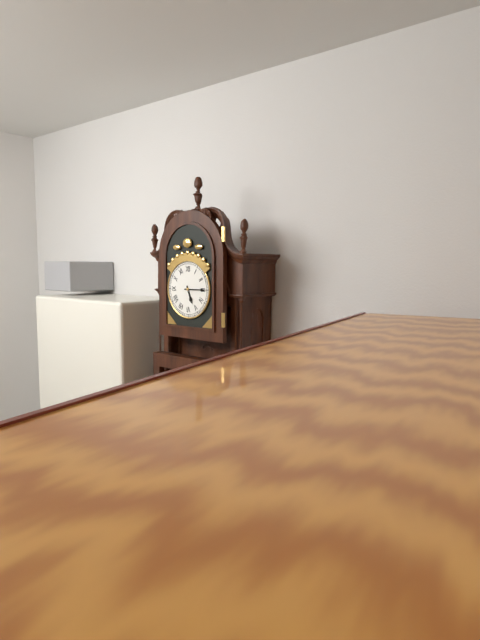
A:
5,15
